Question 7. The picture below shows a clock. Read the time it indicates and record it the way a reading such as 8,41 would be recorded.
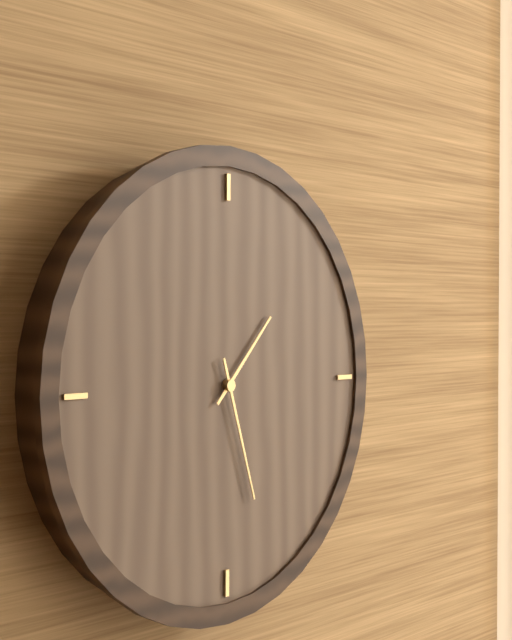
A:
1,27
